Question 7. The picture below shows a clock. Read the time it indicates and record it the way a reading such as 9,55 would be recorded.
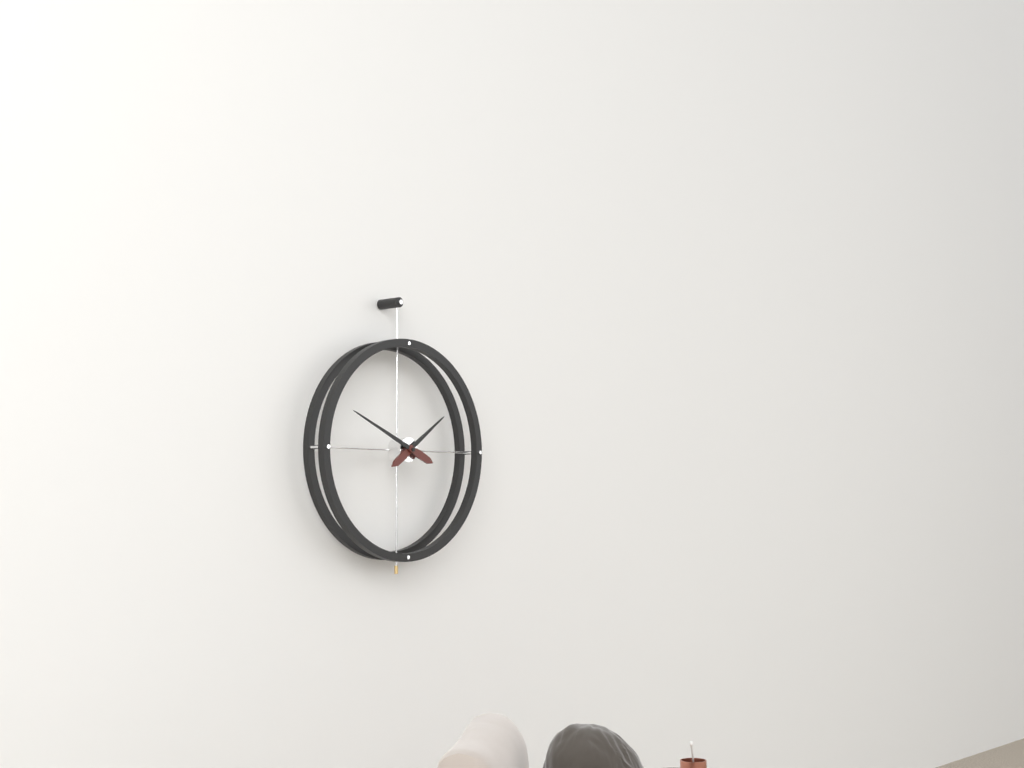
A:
1,49
